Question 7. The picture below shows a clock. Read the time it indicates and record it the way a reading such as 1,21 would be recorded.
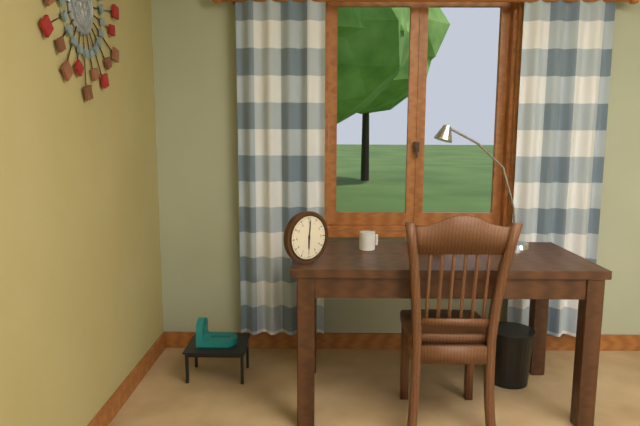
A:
6,01
